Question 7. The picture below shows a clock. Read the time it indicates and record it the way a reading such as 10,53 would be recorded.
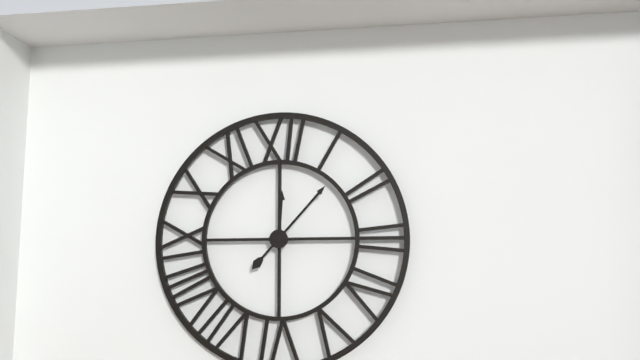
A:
12,07
